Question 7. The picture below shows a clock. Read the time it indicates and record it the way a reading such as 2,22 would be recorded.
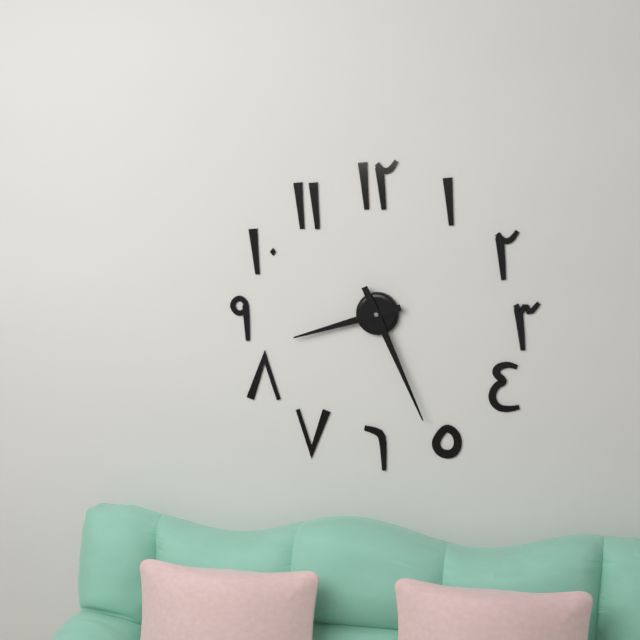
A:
8,26
